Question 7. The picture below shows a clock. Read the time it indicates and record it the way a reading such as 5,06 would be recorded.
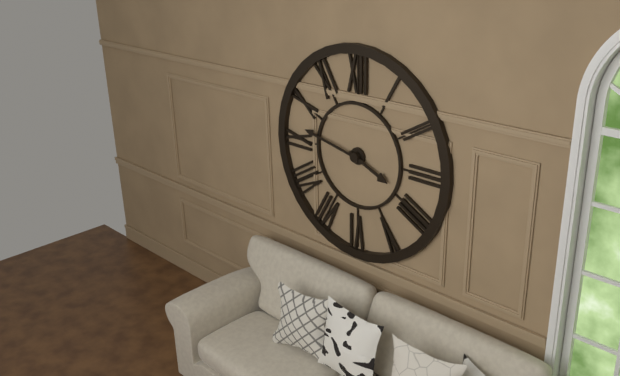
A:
3,47
